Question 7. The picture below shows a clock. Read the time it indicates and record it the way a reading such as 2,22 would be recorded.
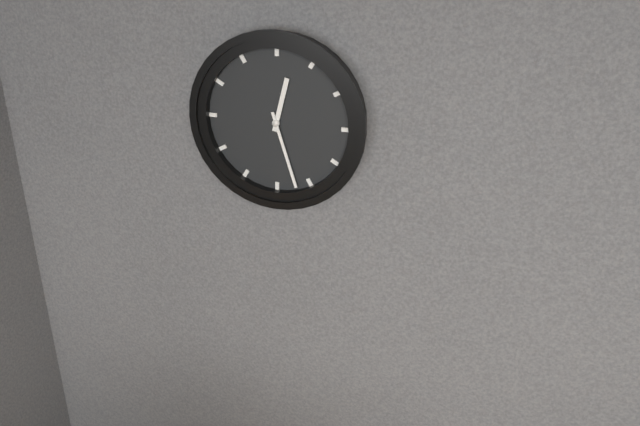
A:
12,27
